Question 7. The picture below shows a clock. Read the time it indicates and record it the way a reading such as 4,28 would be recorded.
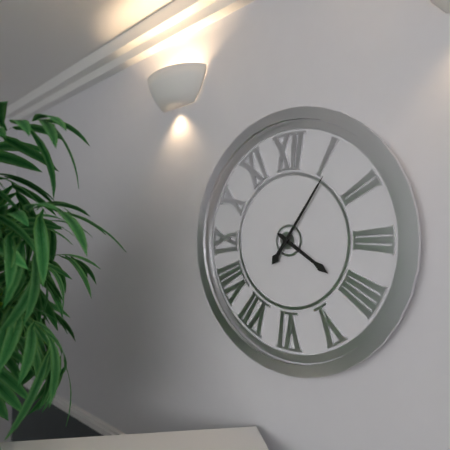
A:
4,06
